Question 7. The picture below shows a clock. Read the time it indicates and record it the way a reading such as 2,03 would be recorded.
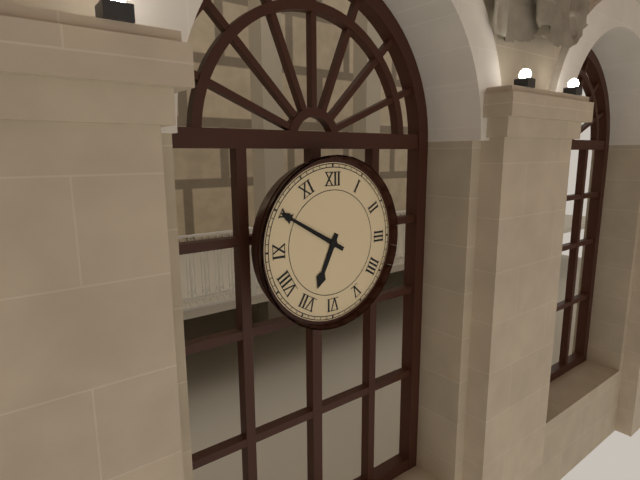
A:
6,50
